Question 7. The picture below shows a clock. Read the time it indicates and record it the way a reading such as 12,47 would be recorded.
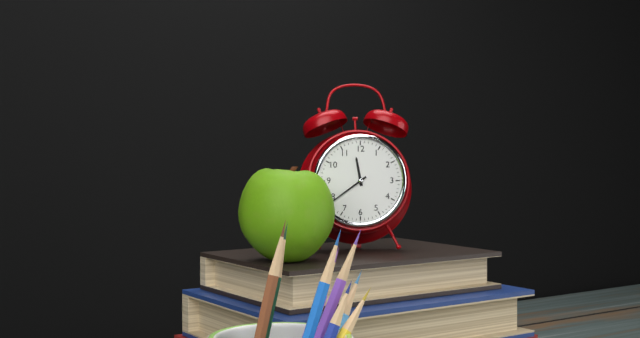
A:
11,39
